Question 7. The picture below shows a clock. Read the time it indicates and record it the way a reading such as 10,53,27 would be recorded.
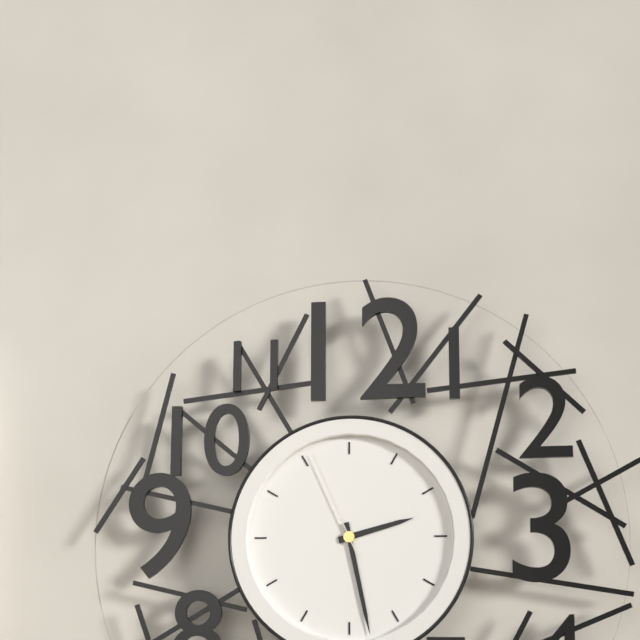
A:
2,28,56
